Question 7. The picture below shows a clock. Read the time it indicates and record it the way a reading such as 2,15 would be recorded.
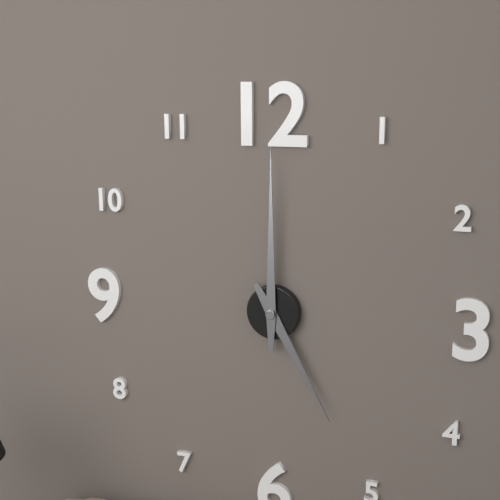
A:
5,00
